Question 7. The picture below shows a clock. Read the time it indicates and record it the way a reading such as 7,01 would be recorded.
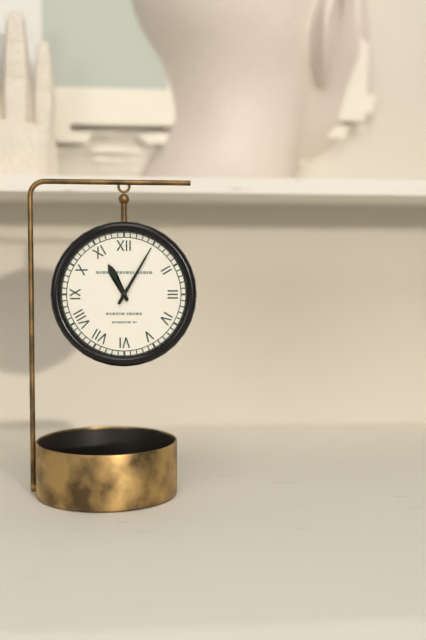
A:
11,05
